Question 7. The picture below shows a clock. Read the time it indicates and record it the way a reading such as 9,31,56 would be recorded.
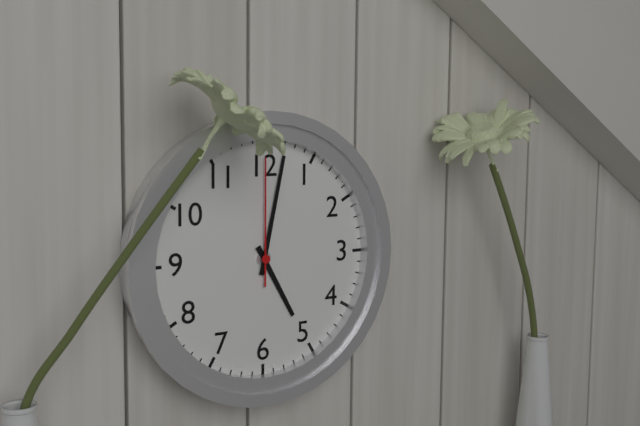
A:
5,02,00
